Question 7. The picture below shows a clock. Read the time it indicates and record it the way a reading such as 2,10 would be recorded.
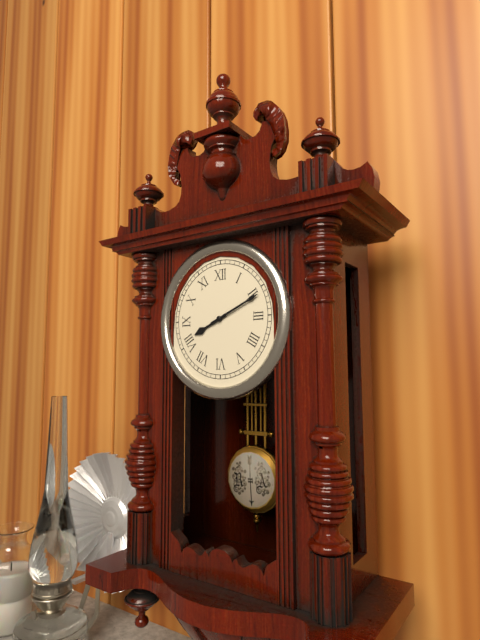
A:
8,11
